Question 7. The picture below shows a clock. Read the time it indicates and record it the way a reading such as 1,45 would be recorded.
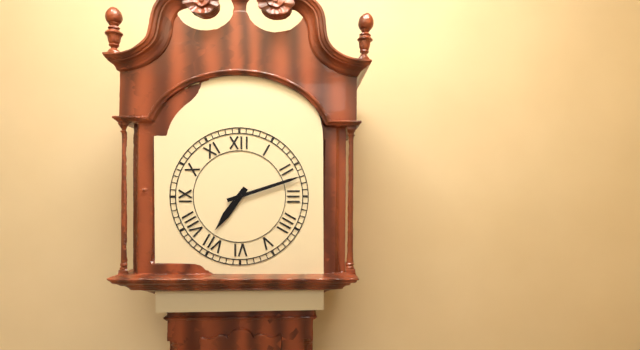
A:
7,12
